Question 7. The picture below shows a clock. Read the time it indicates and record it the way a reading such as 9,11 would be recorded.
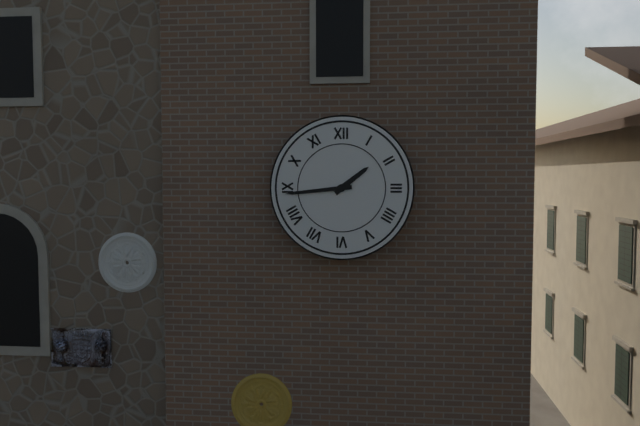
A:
1,44
